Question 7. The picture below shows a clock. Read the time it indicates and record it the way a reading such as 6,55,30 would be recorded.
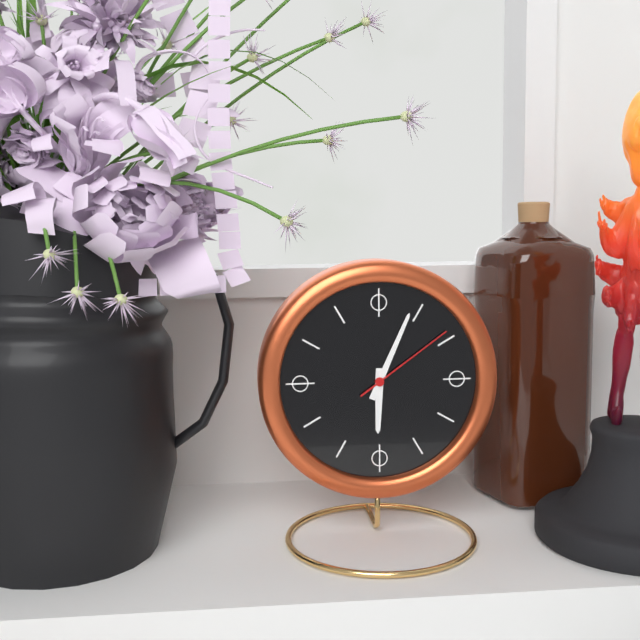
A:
6,04,09
